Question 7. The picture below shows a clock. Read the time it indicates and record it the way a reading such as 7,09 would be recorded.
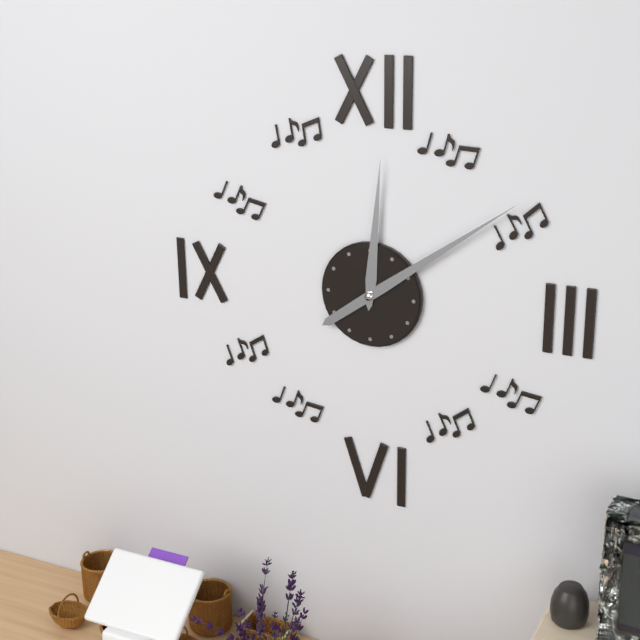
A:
12,09
